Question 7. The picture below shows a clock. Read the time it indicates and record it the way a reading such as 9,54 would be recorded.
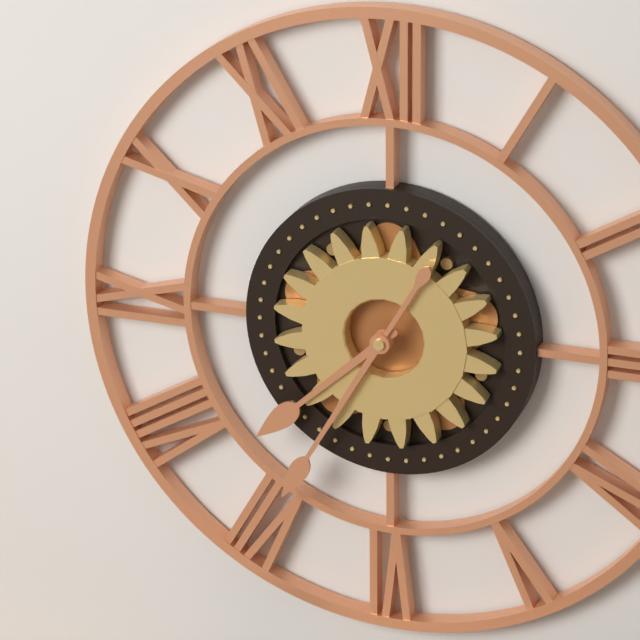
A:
7,35
